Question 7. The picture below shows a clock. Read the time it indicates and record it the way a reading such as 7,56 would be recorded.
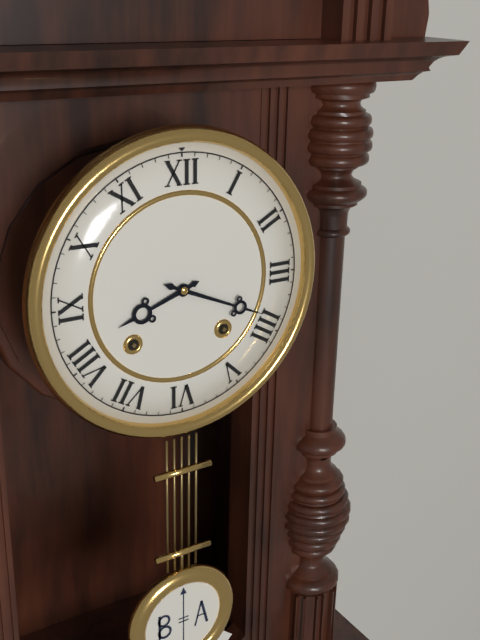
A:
8,19
